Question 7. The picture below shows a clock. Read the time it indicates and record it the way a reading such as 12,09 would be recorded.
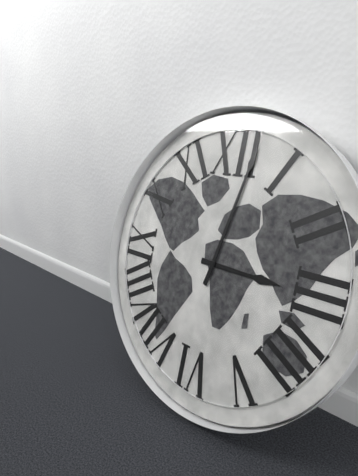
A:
3,02
